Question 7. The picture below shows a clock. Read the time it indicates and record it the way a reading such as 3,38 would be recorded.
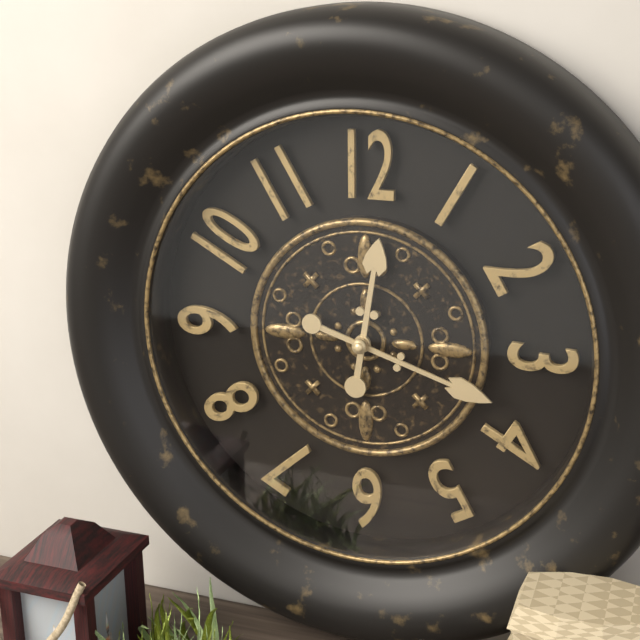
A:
12,18
